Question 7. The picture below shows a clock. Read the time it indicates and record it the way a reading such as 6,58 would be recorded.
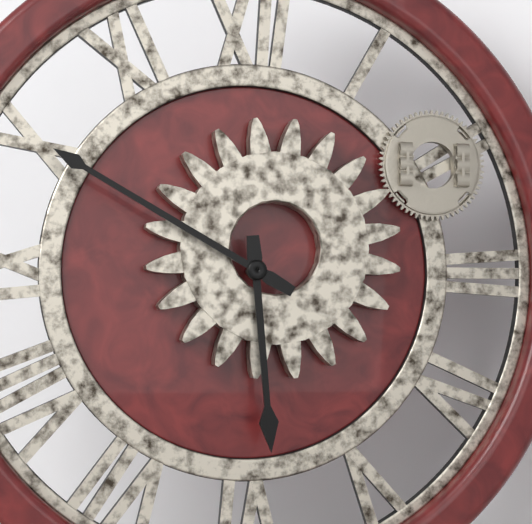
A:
5,50
